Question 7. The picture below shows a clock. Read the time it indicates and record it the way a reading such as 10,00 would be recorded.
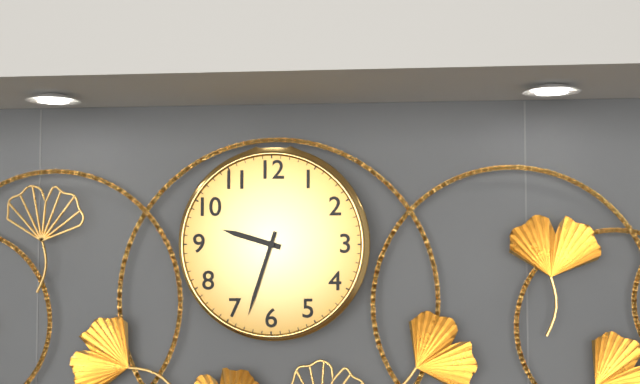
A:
9,33
